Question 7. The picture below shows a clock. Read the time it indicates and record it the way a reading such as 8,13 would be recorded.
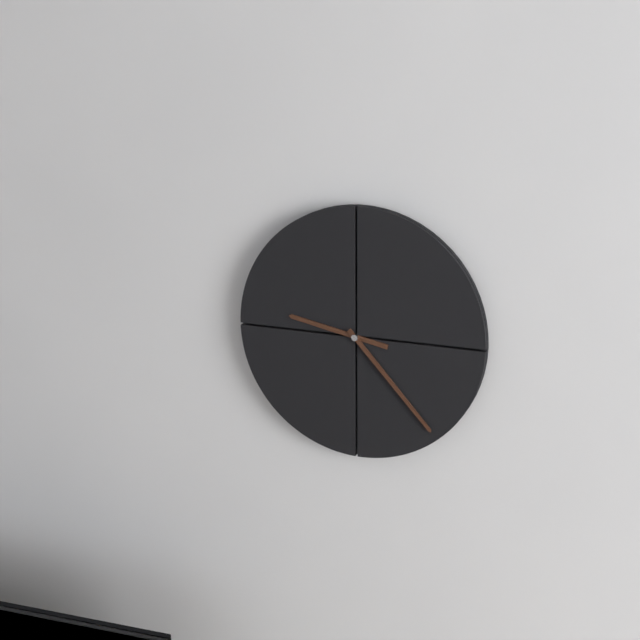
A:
9,23
